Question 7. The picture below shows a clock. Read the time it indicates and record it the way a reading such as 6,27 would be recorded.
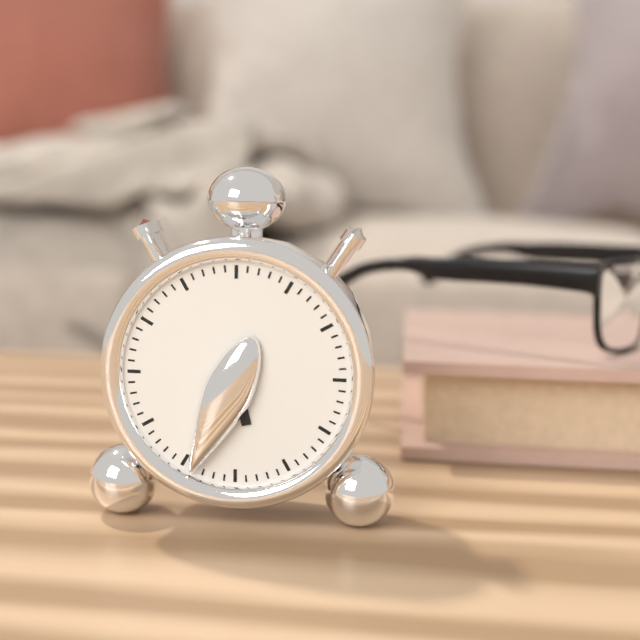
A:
5,34
